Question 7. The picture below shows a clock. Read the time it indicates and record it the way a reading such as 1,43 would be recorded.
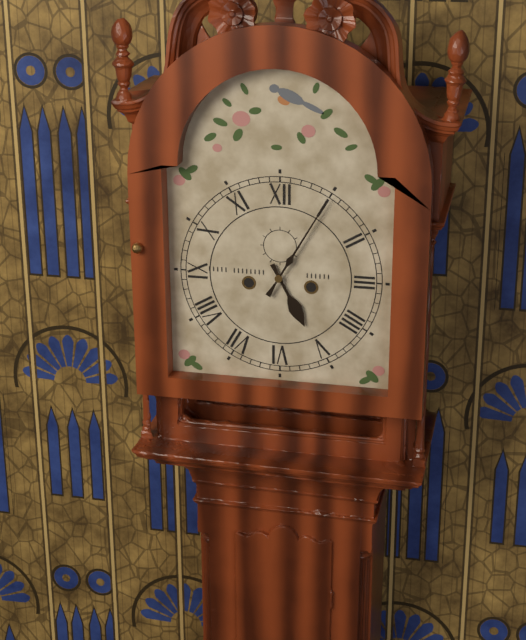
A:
5,05
